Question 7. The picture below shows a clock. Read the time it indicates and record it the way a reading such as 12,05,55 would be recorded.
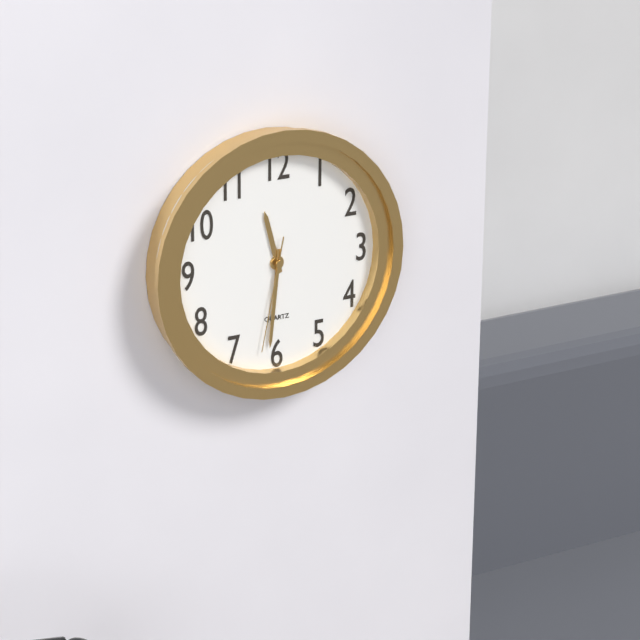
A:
11,31,32
